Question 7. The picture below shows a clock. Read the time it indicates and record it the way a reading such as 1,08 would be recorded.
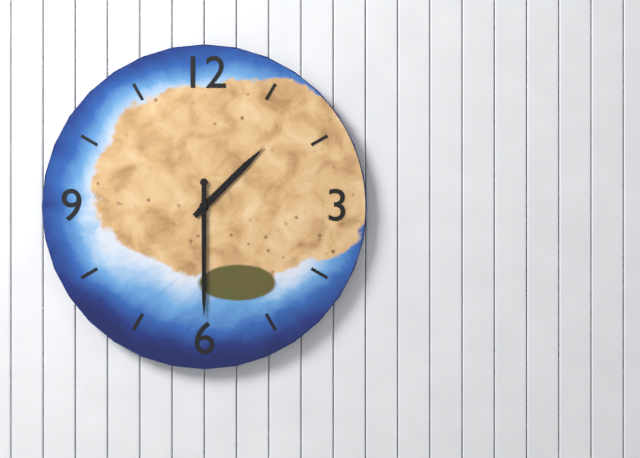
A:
1,30
